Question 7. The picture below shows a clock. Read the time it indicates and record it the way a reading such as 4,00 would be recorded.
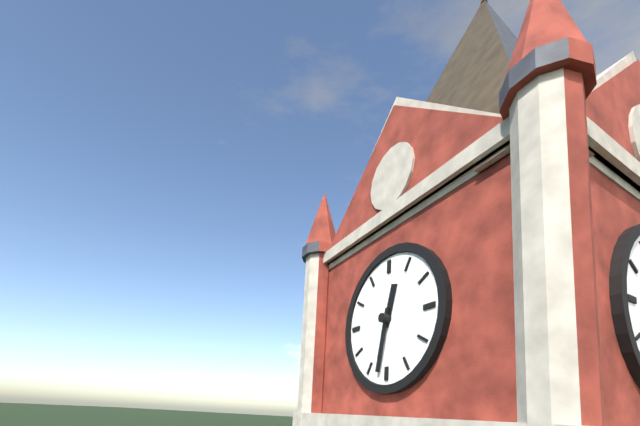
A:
12,32
